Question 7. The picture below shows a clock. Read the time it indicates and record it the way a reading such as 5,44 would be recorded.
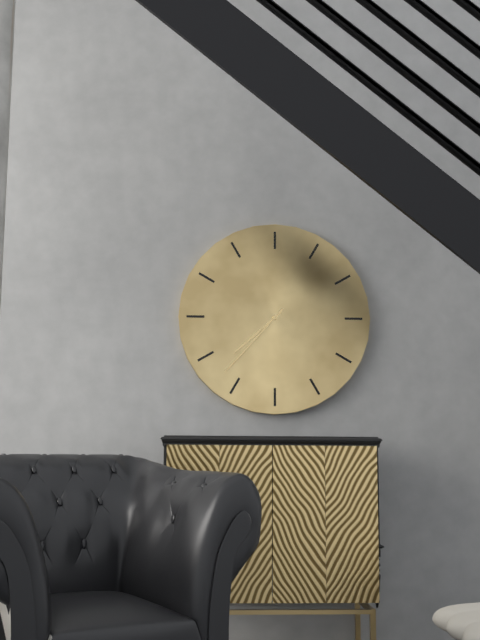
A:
7,37
